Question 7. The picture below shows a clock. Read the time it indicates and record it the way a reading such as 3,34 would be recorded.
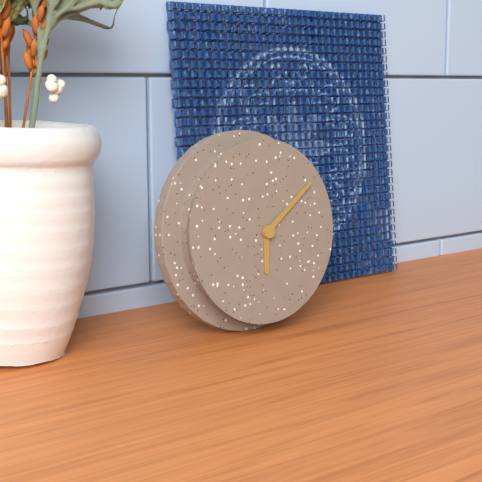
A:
6,09
